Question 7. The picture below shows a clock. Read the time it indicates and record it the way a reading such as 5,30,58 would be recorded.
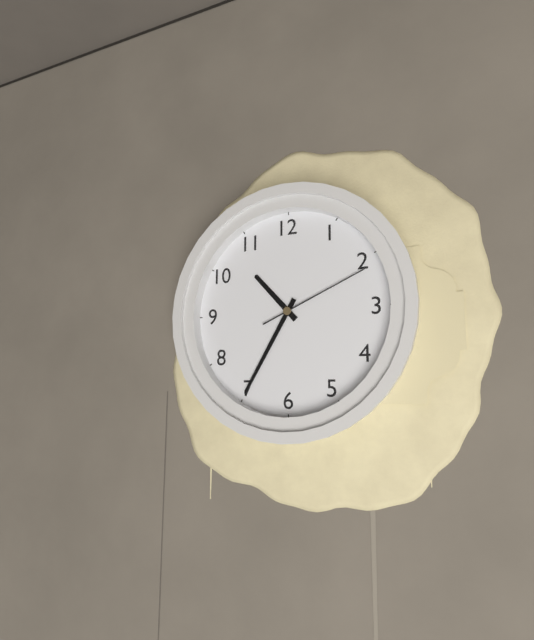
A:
10,35,11
